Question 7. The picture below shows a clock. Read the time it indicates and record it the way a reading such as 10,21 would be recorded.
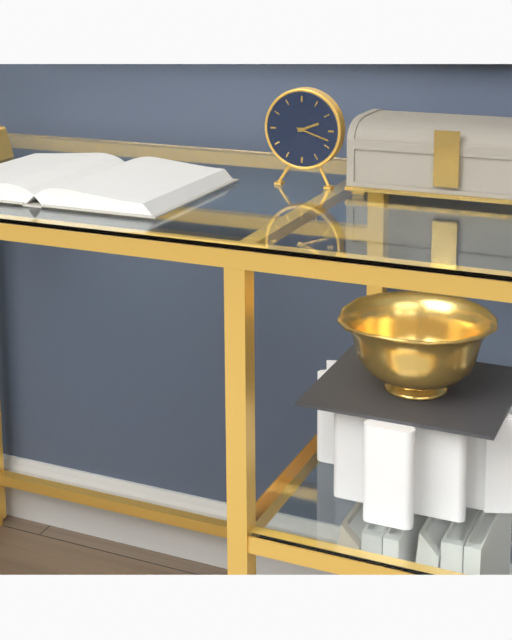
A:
2,18
